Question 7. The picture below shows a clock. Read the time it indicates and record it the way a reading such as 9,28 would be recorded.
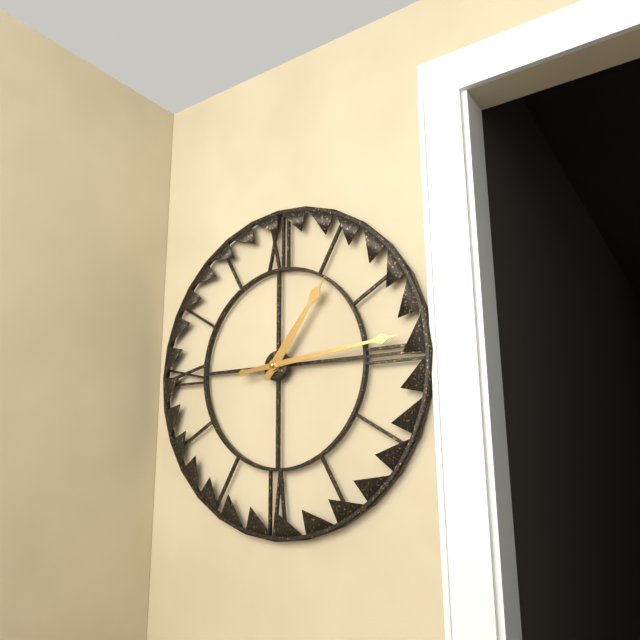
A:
1,14
